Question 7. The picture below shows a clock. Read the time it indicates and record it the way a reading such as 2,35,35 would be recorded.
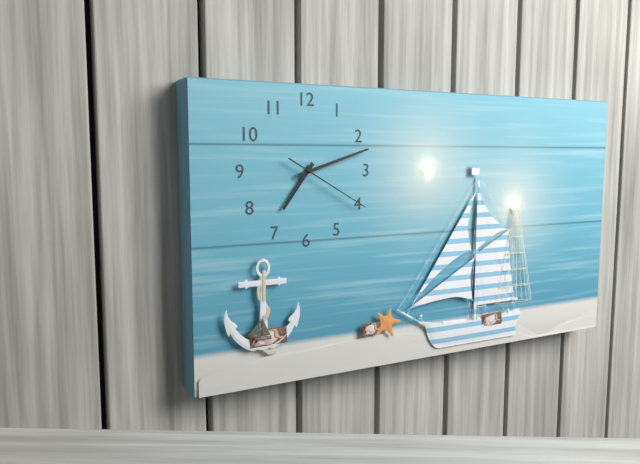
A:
7,12,20
